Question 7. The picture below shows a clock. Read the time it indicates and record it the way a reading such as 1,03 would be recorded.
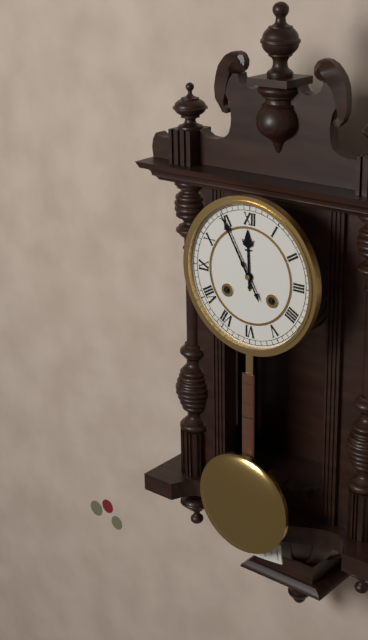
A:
11,55
